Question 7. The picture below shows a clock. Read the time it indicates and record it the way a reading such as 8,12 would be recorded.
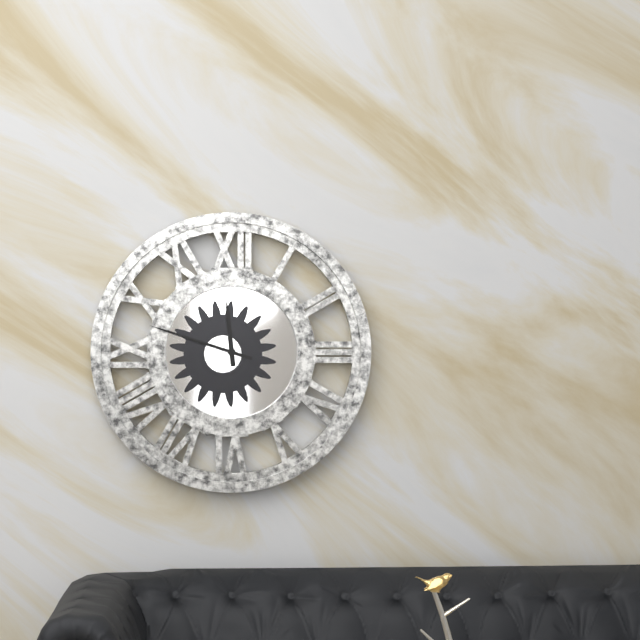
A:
11,48
